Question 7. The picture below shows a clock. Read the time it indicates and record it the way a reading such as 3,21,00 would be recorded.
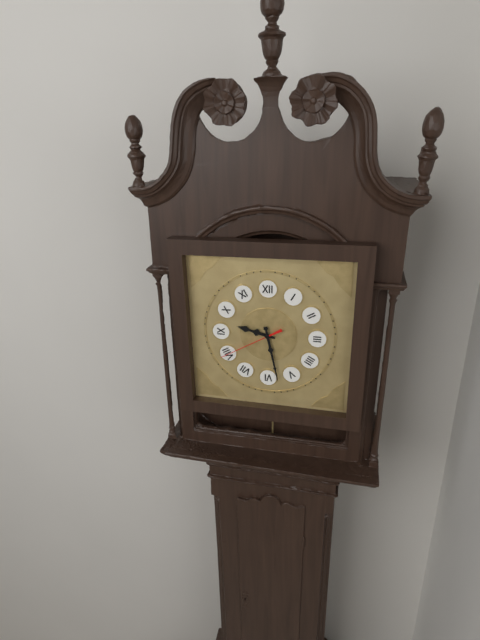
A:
9,28,40
